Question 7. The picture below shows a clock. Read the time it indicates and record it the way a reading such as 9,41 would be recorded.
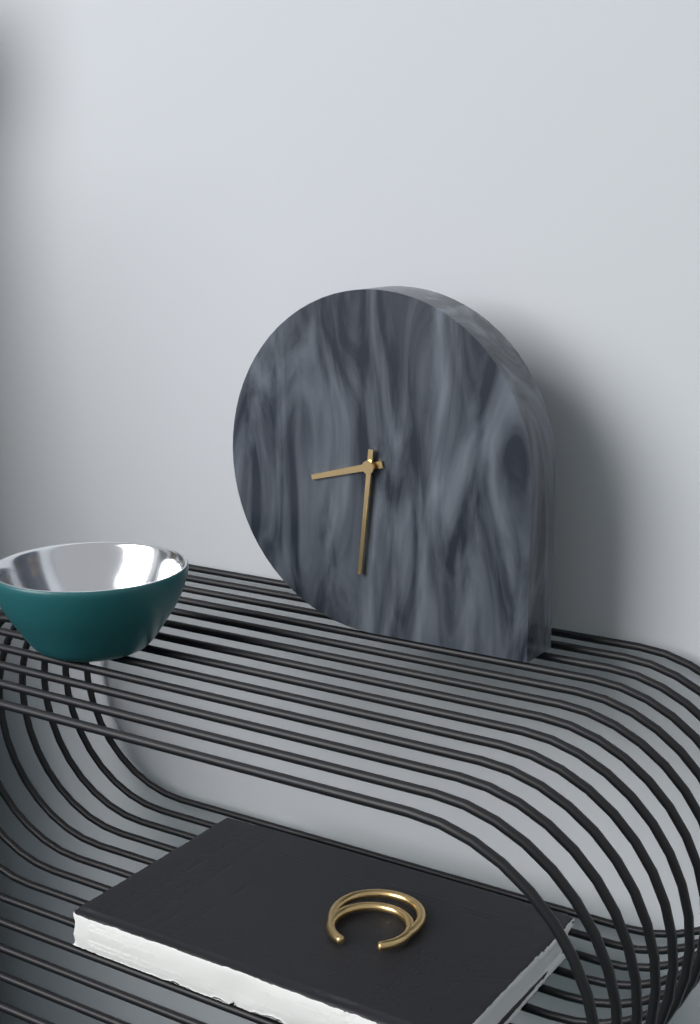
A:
8,31
